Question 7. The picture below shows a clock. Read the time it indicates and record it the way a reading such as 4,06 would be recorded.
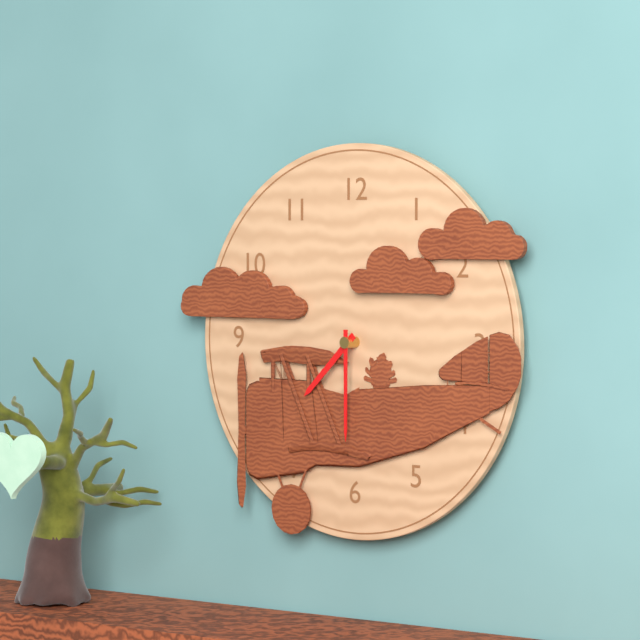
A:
7,30
